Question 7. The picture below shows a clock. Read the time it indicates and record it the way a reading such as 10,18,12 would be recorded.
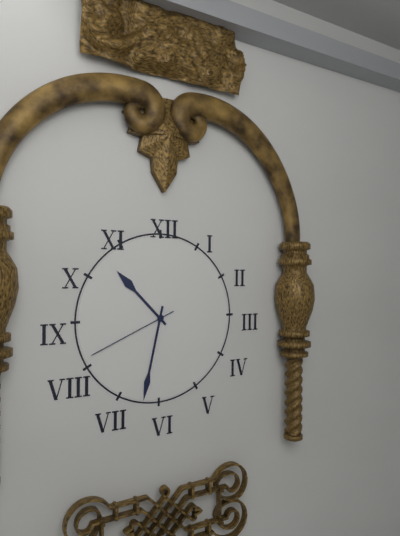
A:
10,32,41
